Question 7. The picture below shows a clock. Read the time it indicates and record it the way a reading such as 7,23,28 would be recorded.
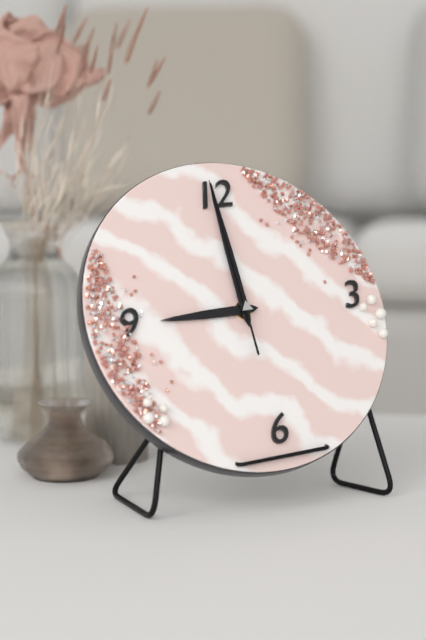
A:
9,00,00
